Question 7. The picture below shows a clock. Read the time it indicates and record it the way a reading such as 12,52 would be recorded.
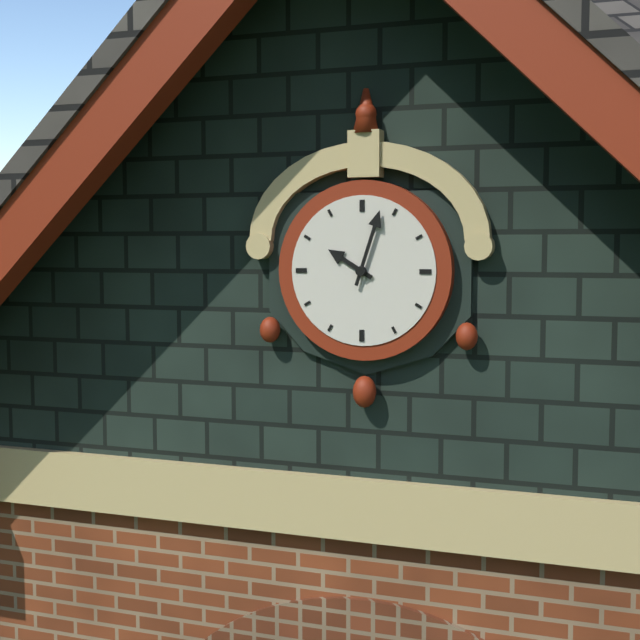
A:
10,03
